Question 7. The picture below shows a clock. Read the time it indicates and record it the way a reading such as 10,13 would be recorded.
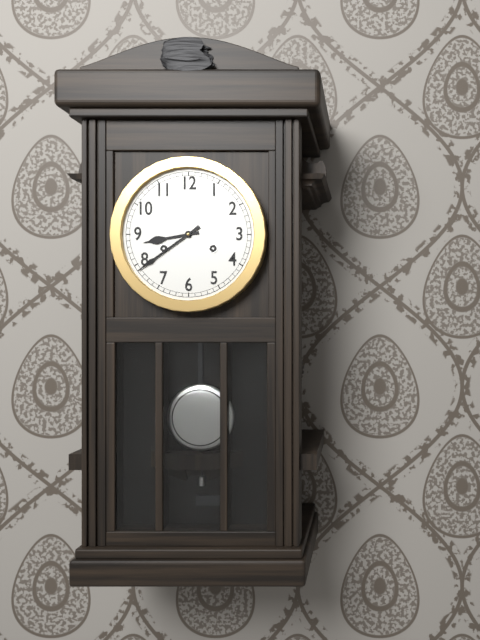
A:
8,39
